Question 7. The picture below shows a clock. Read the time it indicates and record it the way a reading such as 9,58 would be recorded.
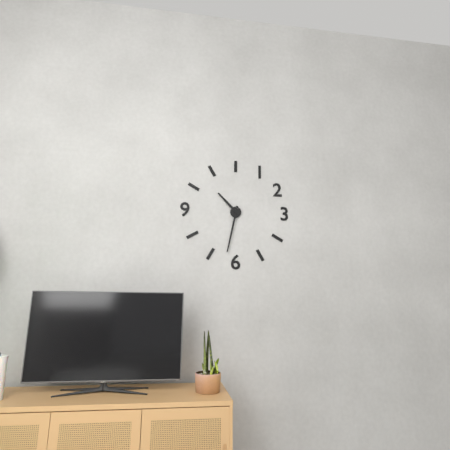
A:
10,32
